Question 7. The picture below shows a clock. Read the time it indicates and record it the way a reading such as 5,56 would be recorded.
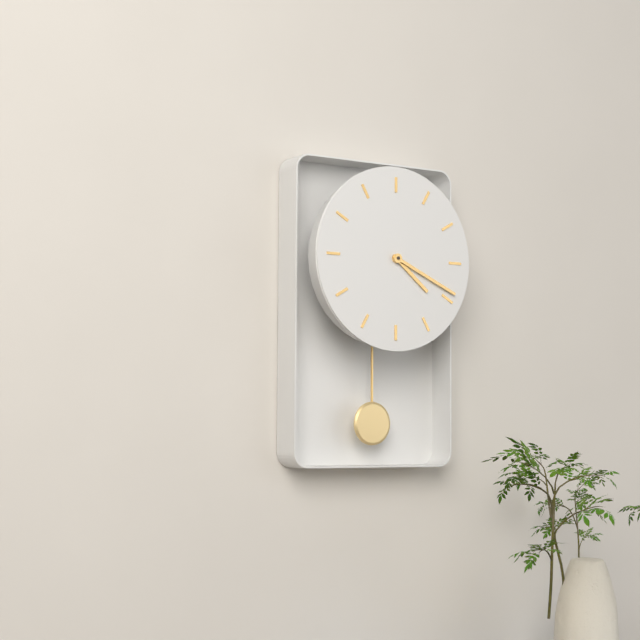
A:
4,19
